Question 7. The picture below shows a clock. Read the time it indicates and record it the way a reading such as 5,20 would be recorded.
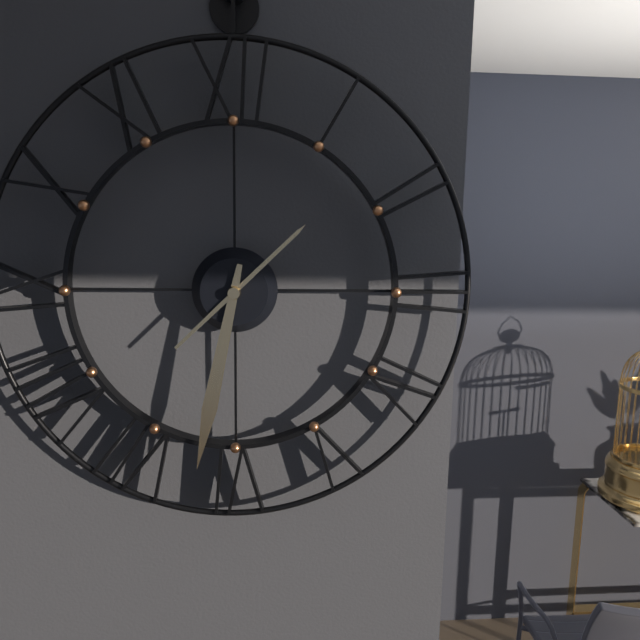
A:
1,32
